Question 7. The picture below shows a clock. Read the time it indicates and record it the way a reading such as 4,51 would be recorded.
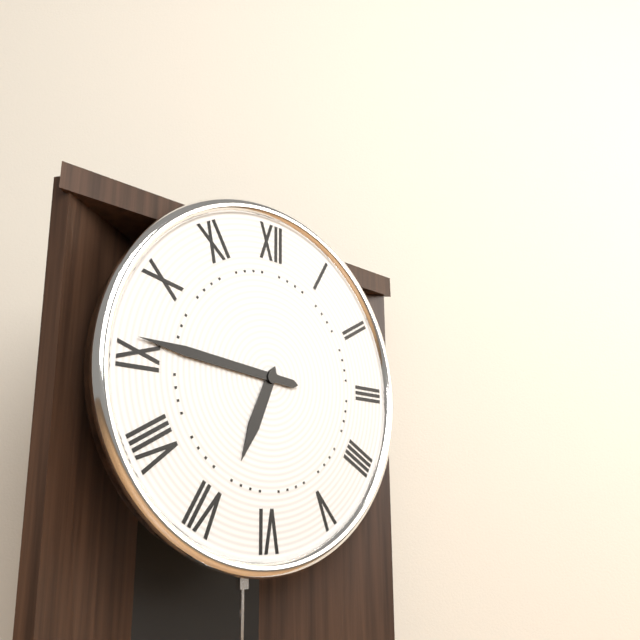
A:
6,46
